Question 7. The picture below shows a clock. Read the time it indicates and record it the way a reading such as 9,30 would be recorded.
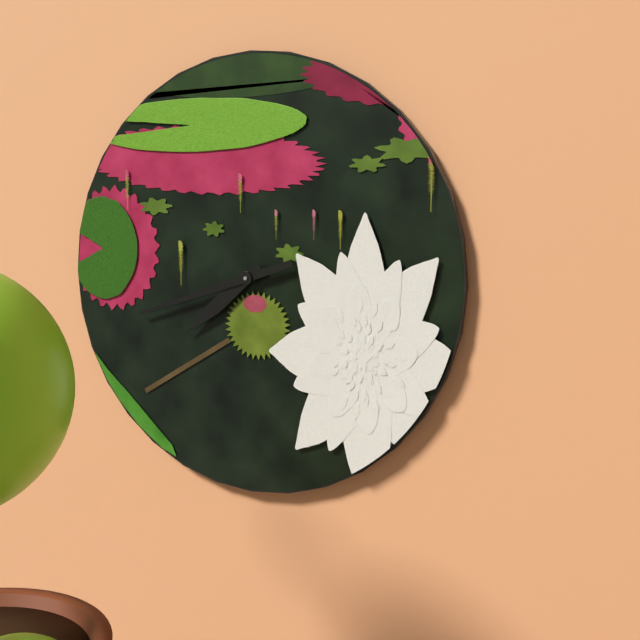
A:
7,42
